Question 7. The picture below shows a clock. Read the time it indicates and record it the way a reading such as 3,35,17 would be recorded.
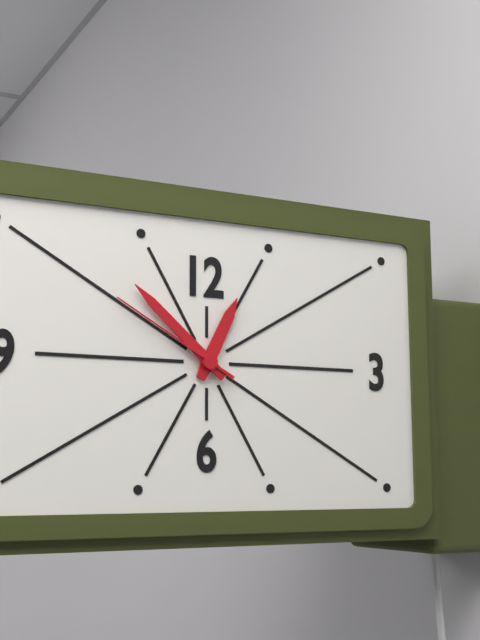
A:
12,52,50
